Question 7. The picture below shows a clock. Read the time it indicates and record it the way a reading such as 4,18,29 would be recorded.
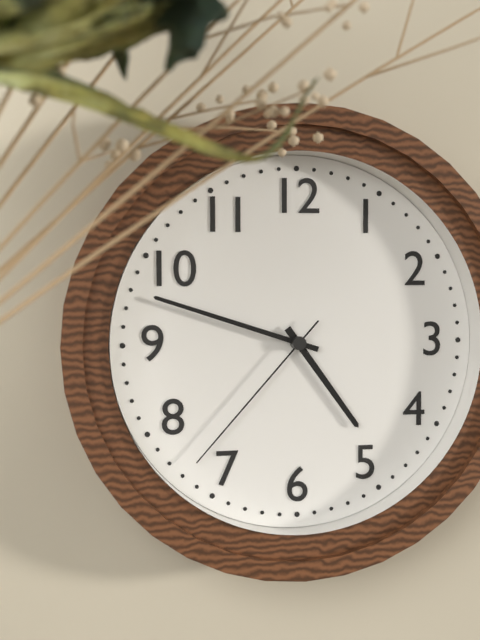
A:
4,48,37
